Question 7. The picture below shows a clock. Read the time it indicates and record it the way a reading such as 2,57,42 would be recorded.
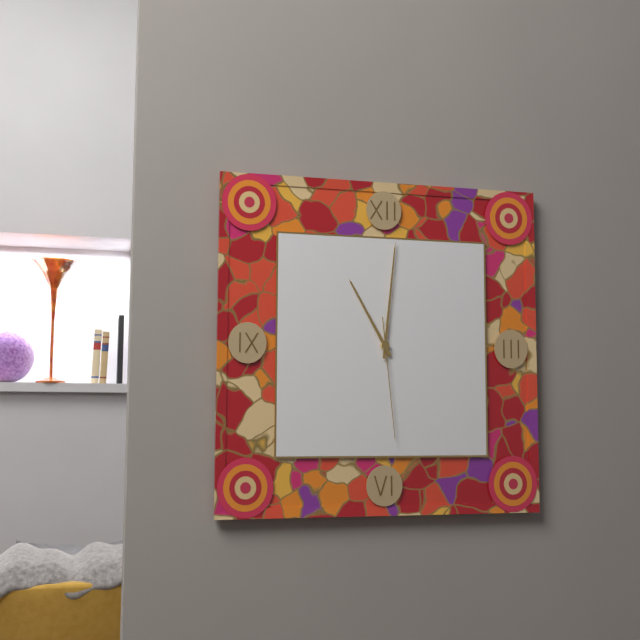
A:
11,01,29
